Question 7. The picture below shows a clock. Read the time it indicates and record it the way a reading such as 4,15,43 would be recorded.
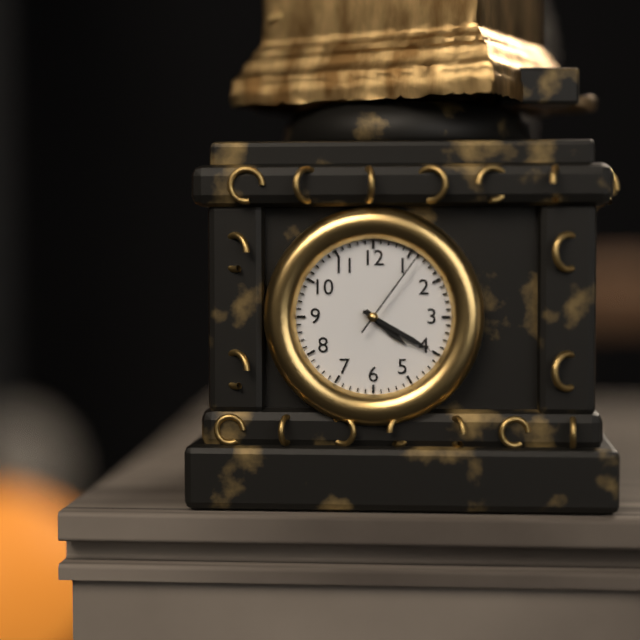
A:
4,20,06
